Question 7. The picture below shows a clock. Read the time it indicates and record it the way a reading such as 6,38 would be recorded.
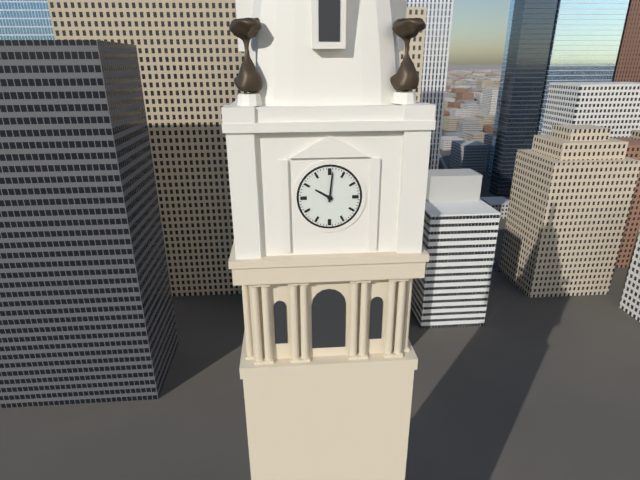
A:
10,01
